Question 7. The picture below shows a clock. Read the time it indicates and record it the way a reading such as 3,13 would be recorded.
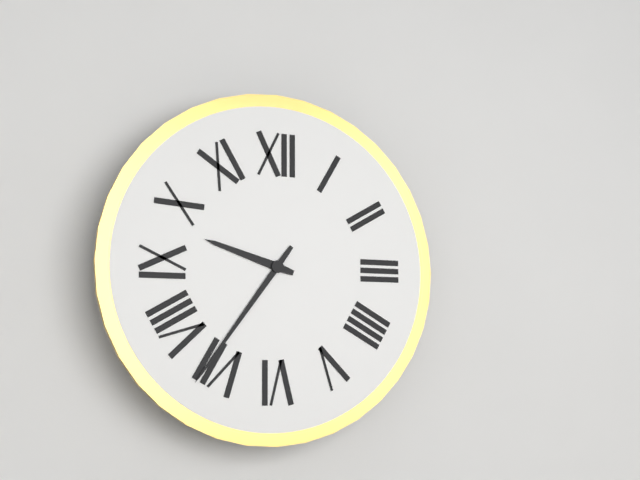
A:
9,36
